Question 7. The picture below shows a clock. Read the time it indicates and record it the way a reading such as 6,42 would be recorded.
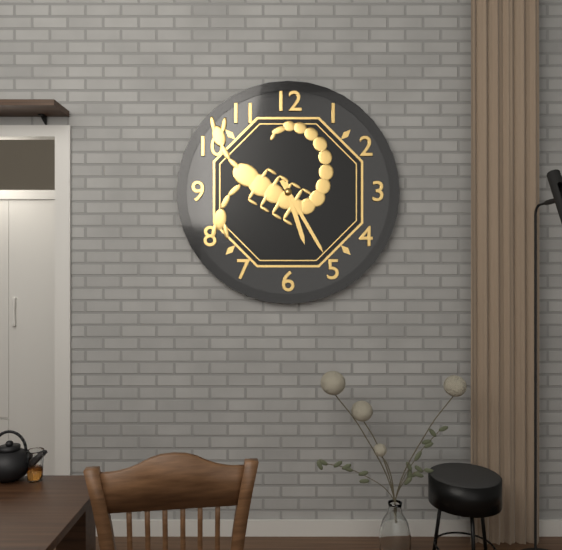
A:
5,25
